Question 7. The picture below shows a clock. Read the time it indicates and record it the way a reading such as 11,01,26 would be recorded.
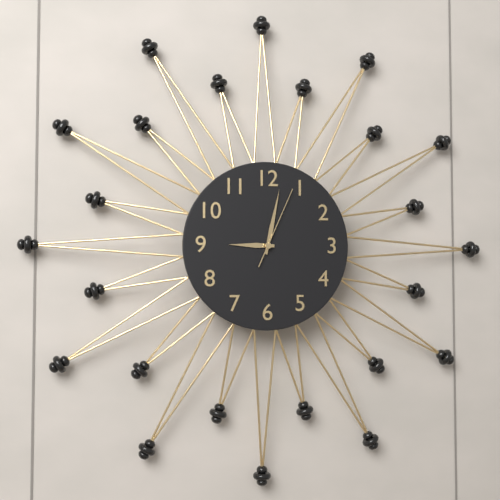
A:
9,02,04
